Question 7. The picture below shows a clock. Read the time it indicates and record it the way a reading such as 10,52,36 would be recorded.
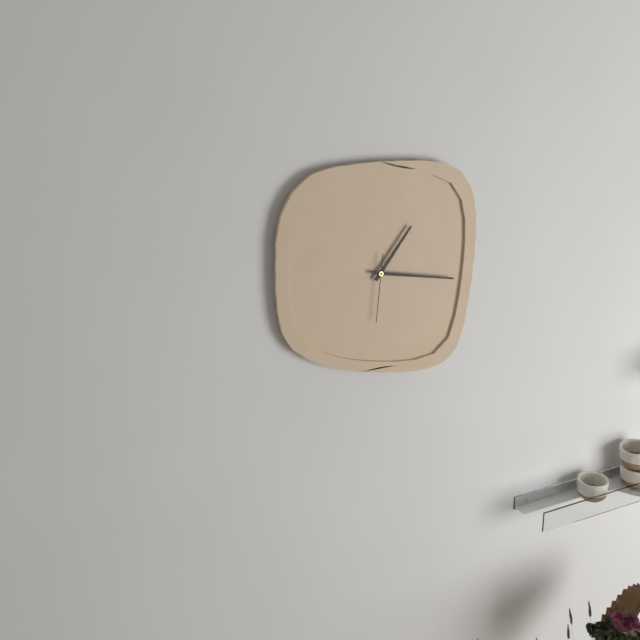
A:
1,17,31
